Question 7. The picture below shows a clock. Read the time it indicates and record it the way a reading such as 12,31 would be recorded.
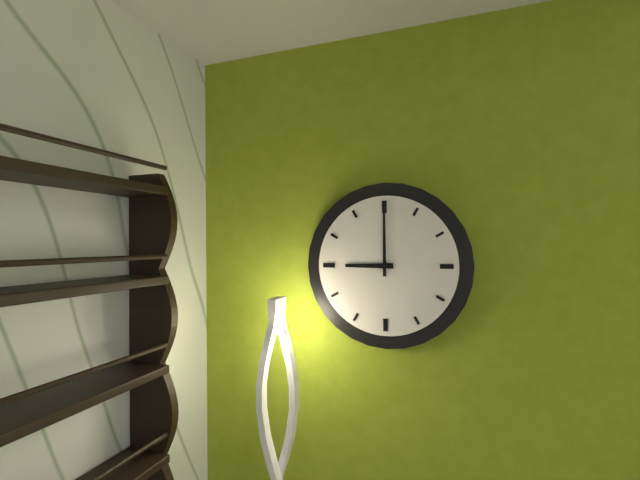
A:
9,00
